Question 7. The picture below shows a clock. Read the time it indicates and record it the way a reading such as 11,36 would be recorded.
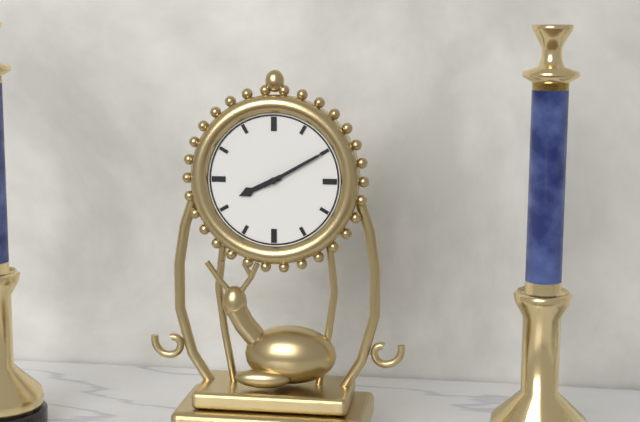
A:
8,10
